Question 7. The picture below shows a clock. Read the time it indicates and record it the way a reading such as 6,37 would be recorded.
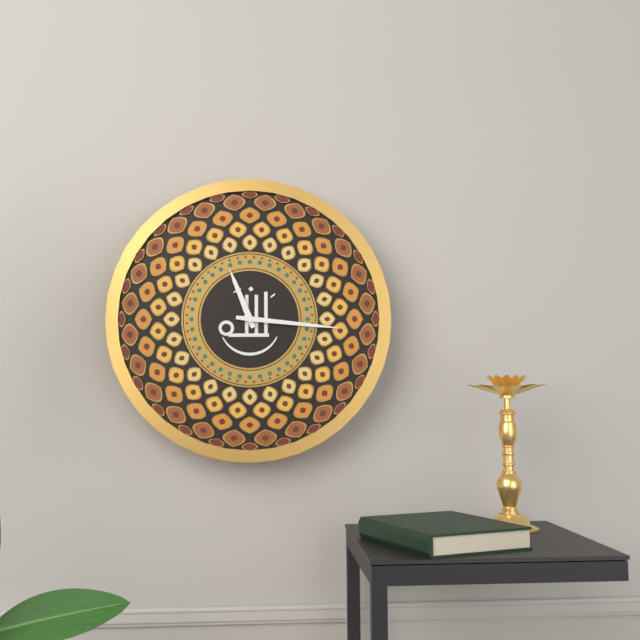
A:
11,16
